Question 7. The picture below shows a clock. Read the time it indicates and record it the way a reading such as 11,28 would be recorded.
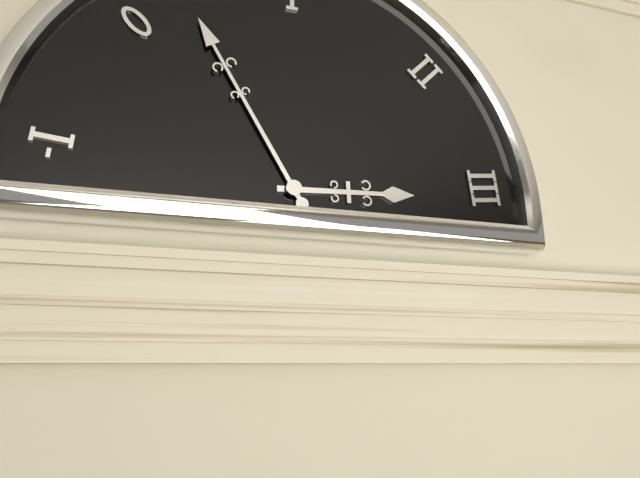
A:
2,55
